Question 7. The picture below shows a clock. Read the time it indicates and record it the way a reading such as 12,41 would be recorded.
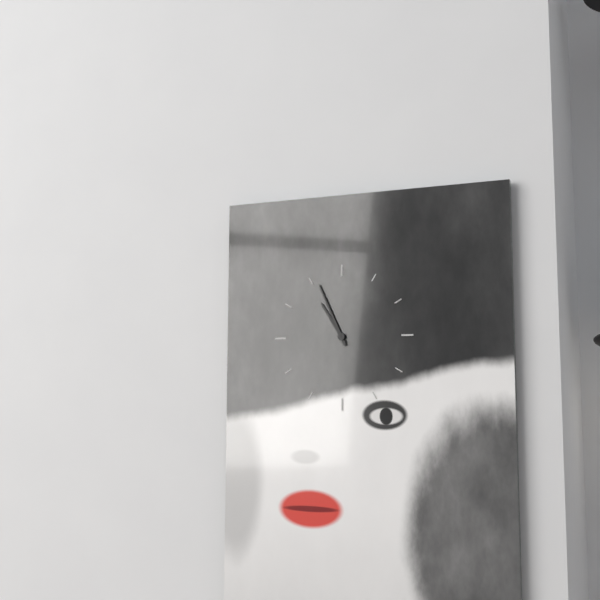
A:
10,56
